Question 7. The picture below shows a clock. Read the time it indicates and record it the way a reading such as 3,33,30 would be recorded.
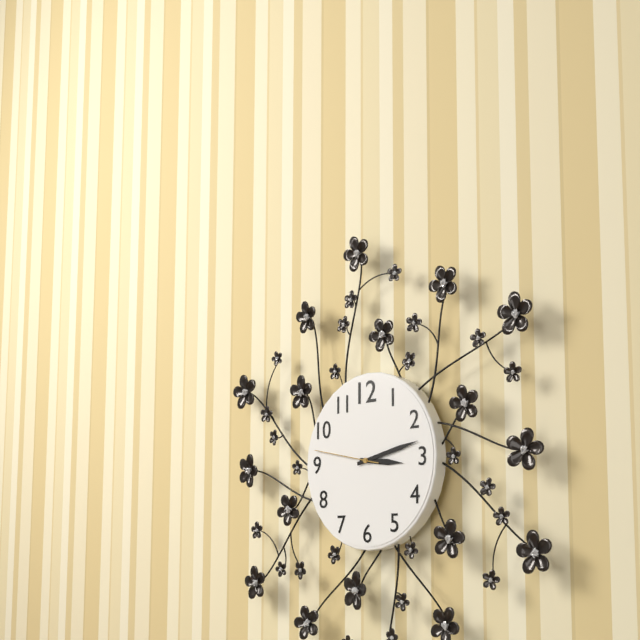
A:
3,13,47
